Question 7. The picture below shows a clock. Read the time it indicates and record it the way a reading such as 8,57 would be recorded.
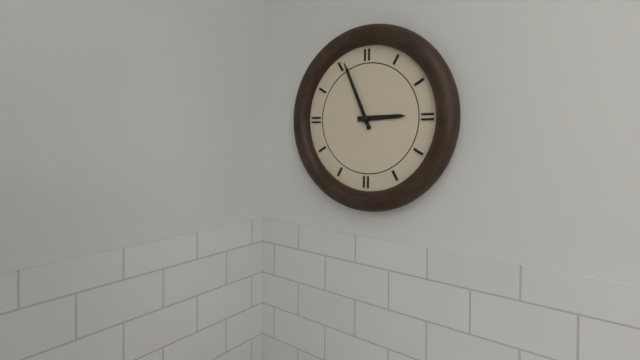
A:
2,56
